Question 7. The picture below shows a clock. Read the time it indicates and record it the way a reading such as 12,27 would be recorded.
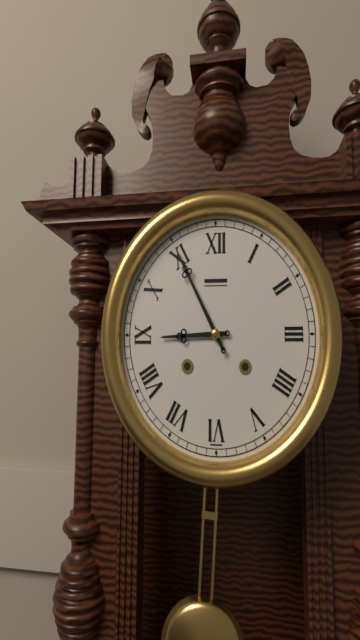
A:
8,55
